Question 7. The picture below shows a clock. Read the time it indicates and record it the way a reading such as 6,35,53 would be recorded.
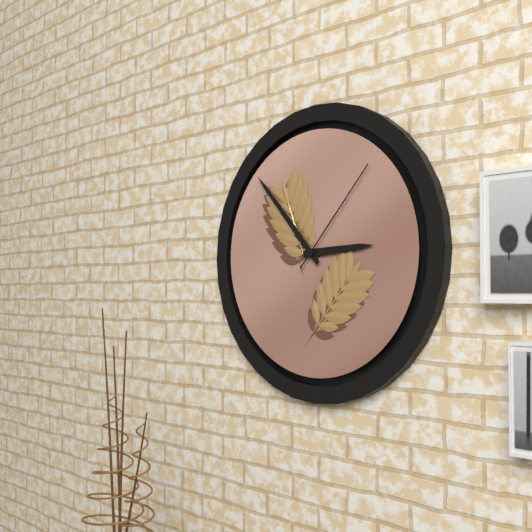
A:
2,53,07
